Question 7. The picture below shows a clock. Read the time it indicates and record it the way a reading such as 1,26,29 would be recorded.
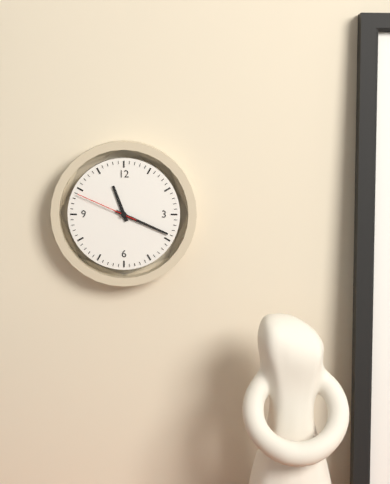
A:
11,19,49
